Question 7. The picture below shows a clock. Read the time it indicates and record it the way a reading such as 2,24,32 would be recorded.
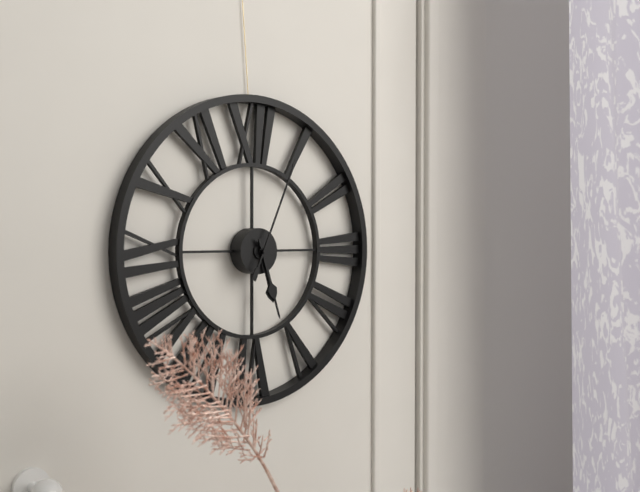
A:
5,27,04
